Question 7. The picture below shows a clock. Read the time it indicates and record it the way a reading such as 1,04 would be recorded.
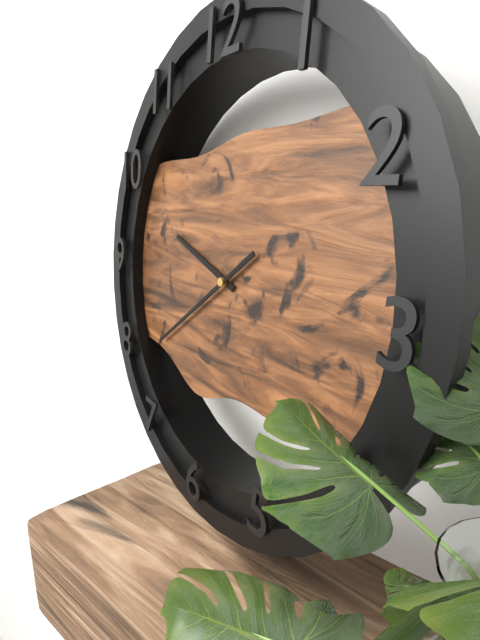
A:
9,39
